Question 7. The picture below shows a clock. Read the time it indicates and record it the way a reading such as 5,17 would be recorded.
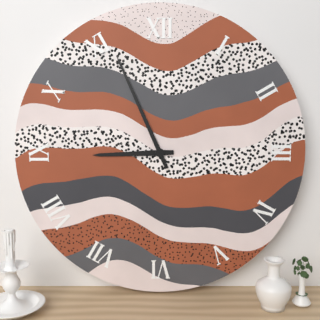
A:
8,56
